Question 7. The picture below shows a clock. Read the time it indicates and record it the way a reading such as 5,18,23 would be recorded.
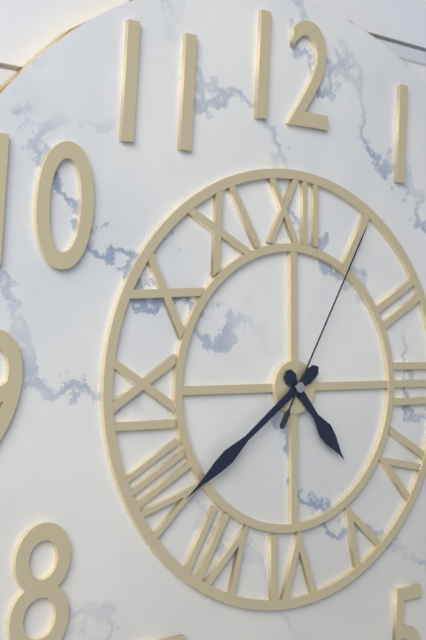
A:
4,39,05
